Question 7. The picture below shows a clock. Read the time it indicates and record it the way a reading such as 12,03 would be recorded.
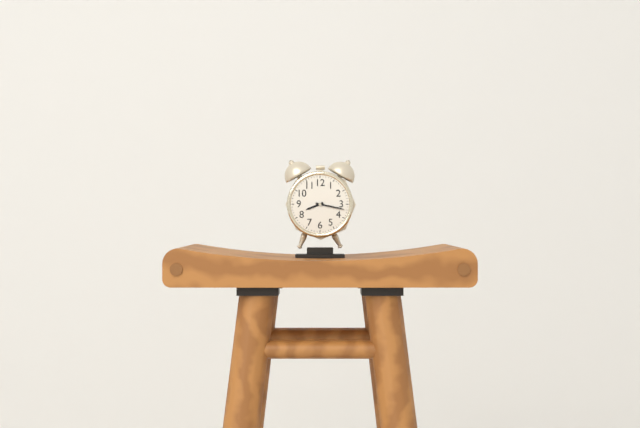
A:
8,17
